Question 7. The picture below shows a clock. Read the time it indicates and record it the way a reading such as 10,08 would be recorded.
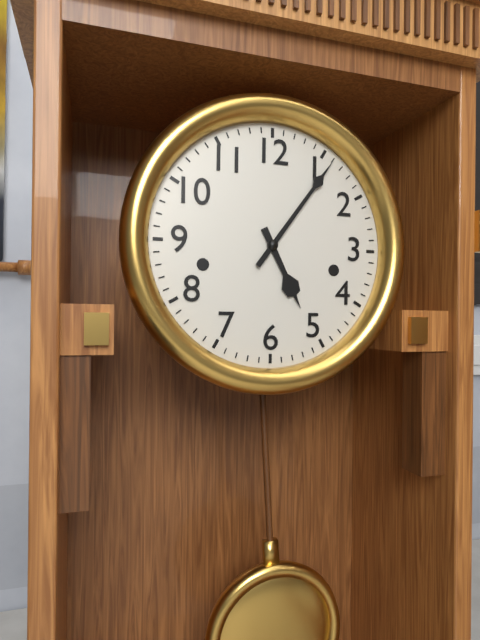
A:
5,06
